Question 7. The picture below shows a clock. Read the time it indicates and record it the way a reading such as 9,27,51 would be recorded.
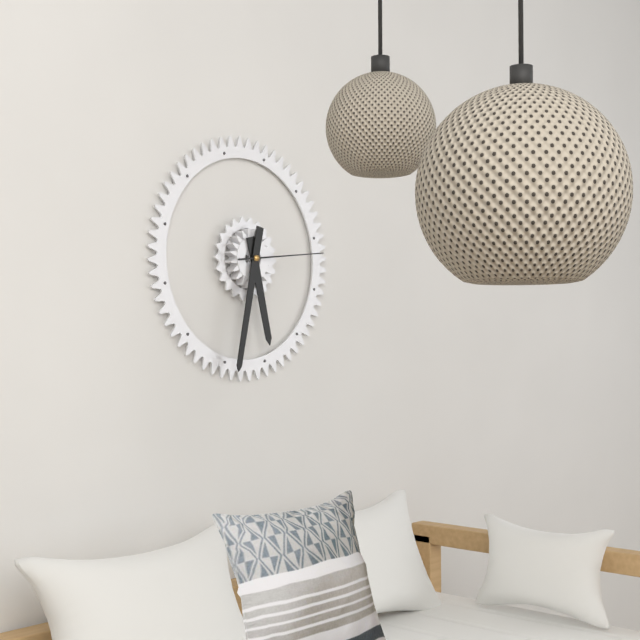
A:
5,32,14
